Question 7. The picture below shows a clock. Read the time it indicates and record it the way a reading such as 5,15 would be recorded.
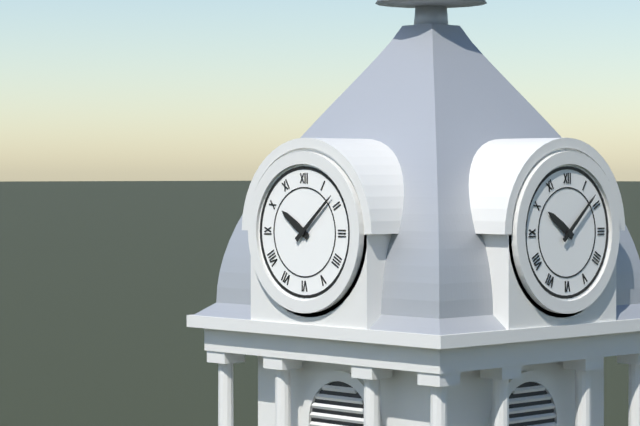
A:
10,08
